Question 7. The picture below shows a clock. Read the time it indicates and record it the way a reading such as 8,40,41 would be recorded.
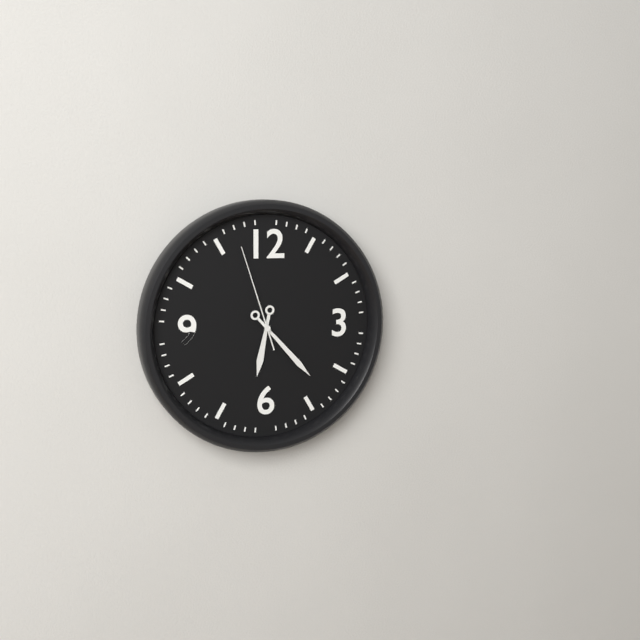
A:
6,23,57
